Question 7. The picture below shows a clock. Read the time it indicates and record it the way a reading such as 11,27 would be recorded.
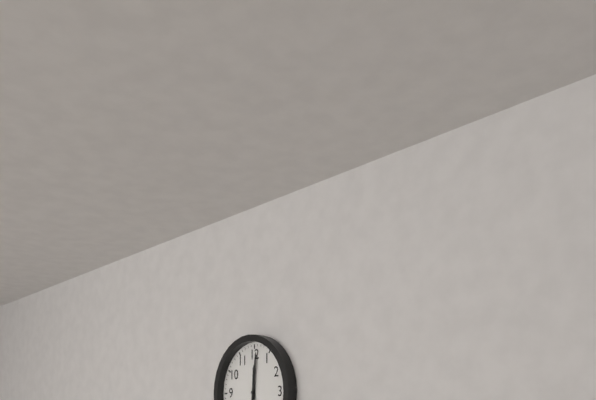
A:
12,01
